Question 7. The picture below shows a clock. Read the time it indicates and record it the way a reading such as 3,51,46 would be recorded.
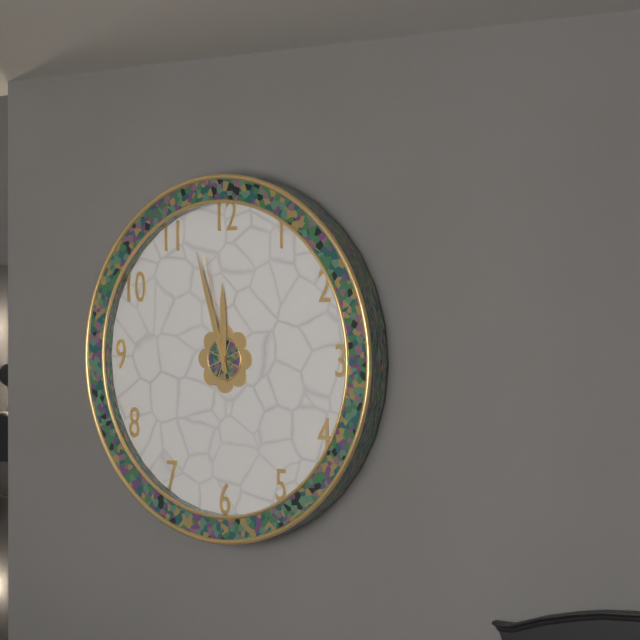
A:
11,57,58
